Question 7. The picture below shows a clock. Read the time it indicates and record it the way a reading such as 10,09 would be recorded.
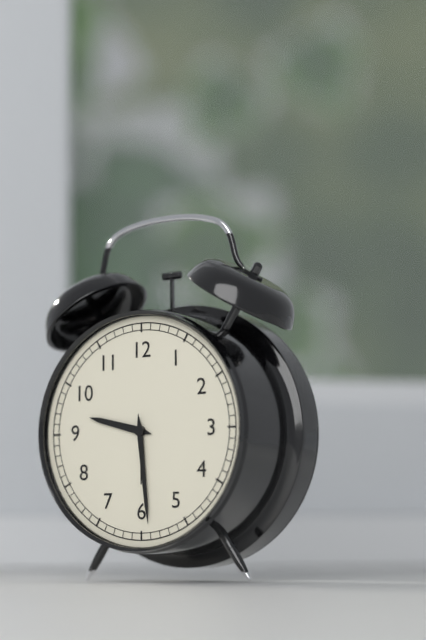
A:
9,29
